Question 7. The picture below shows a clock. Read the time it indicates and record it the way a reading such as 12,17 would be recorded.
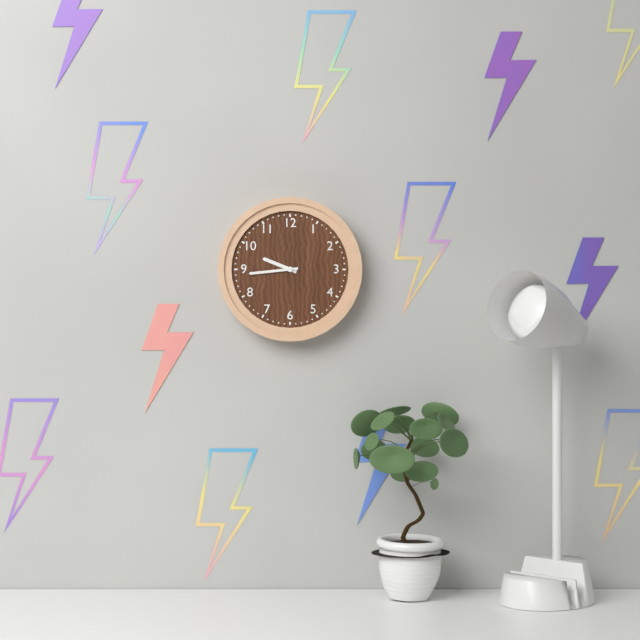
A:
9,44
